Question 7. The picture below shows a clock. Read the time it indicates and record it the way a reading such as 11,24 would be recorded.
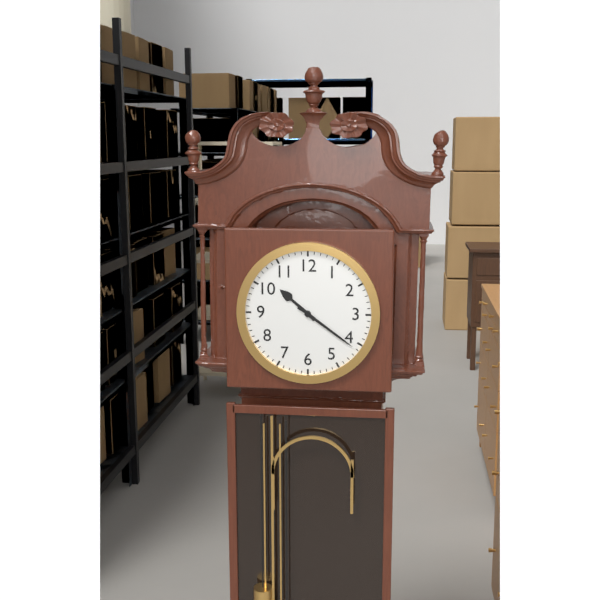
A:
10,21
